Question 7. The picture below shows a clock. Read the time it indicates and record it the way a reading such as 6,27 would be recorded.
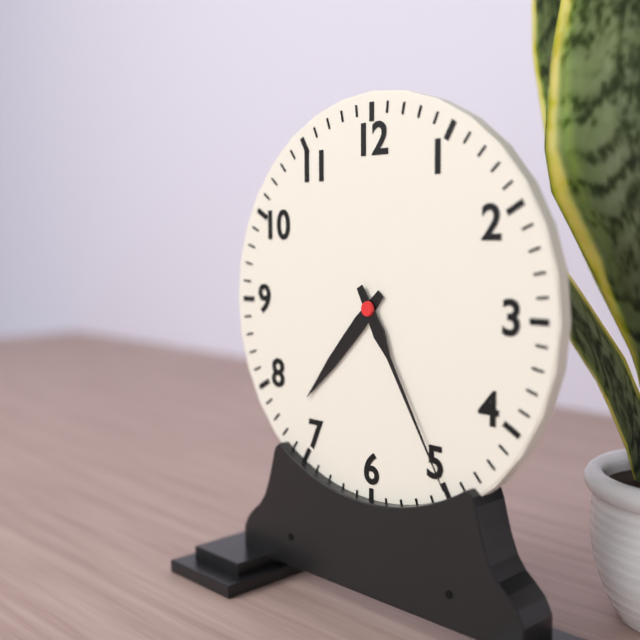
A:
7,25
